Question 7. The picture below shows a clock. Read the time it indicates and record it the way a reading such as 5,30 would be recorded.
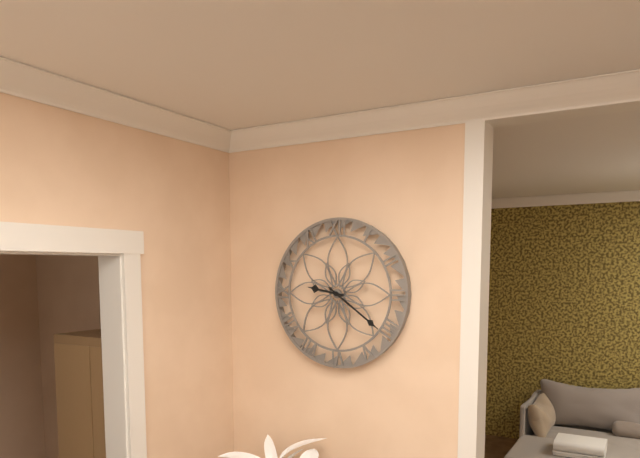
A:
9,21
